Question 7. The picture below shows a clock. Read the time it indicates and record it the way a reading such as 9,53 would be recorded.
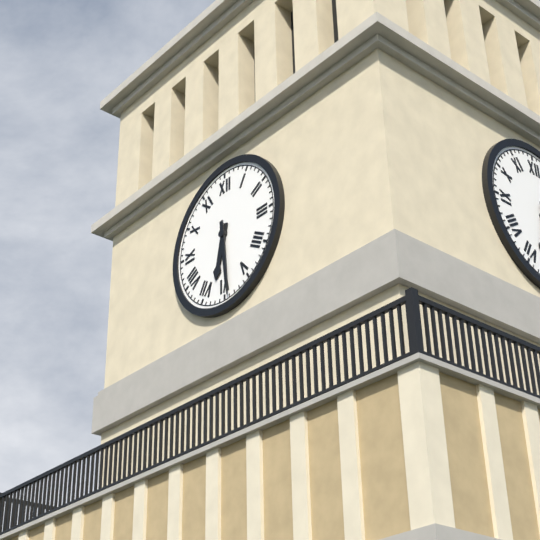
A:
6,29
